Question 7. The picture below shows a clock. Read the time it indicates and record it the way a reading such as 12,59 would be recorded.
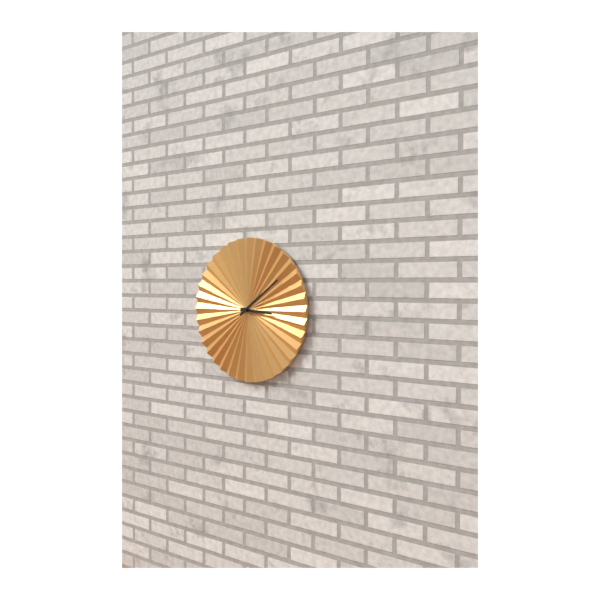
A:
3,09
